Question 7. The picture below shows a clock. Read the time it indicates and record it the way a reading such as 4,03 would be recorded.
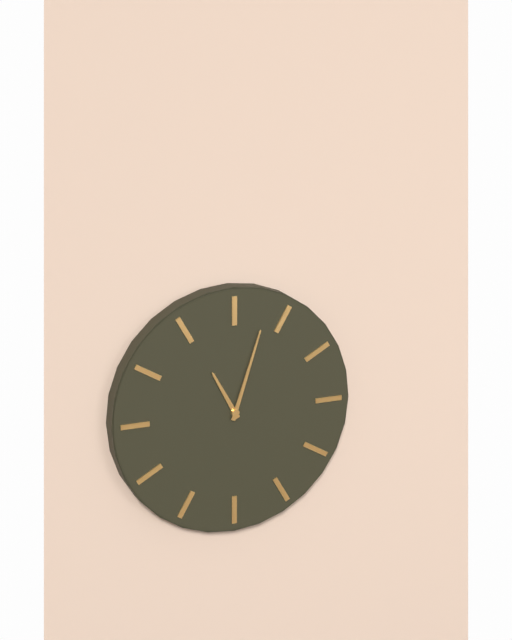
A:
11,03
